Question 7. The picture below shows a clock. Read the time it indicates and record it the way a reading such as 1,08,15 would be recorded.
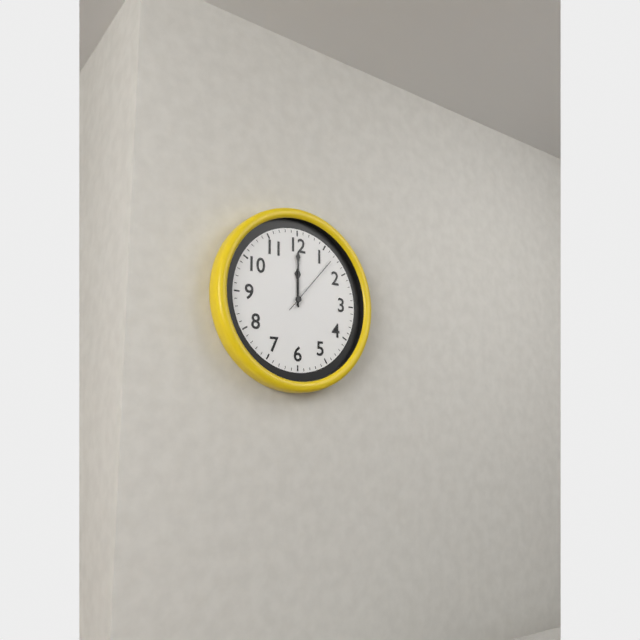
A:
12,00,07
